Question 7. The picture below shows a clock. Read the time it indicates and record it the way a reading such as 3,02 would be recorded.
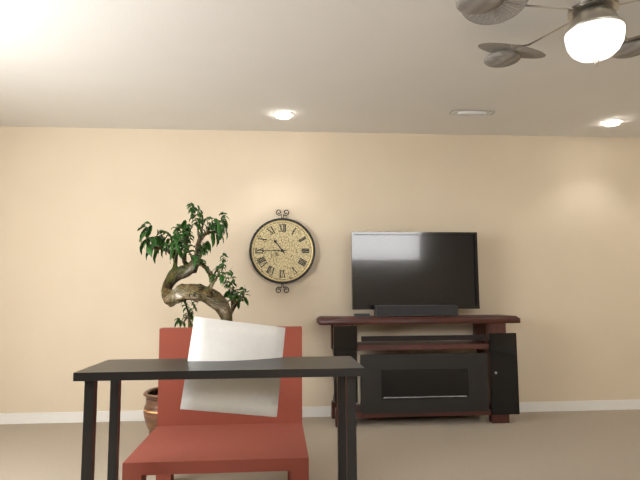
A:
10,45
